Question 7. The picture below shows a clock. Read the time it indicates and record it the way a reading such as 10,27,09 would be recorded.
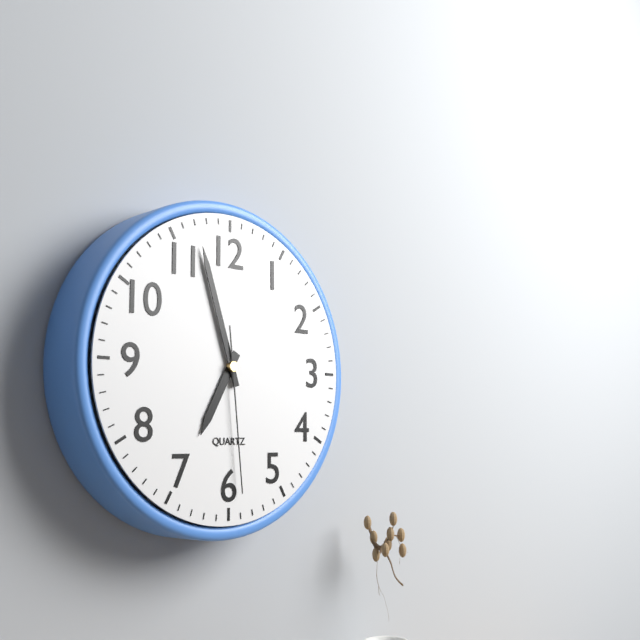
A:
6,57,29
